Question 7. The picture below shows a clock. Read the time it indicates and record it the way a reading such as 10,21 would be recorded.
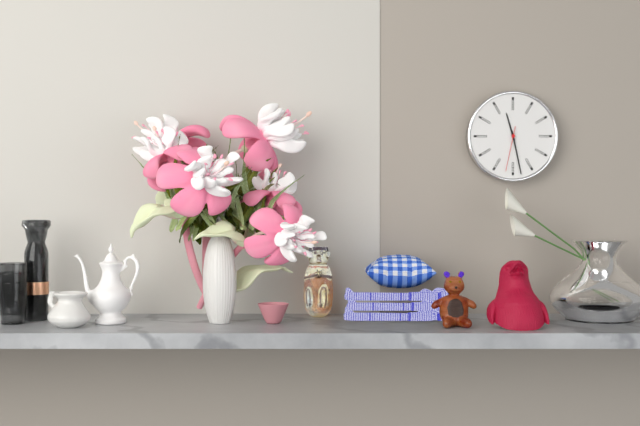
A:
11,28
